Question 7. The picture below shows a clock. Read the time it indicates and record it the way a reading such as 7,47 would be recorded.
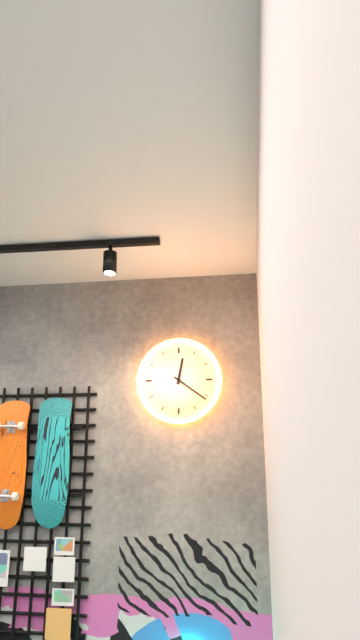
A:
12,21
